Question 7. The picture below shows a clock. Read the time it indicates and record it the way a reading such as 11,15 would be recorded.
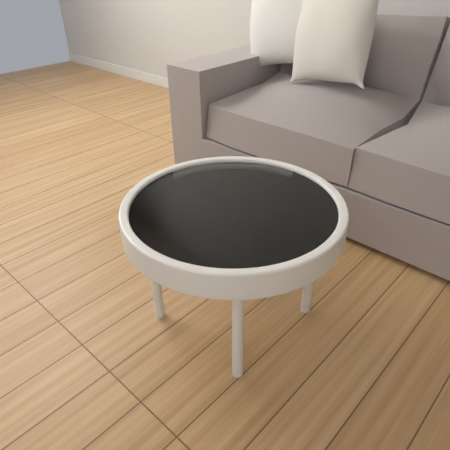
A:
3,21
